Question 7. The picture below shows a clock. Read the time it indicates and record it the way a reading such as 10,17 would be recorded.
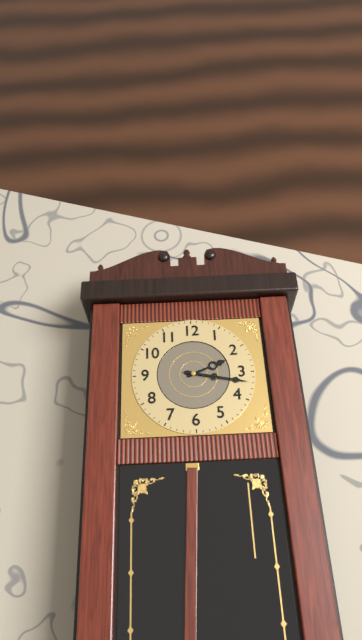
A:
2,17
